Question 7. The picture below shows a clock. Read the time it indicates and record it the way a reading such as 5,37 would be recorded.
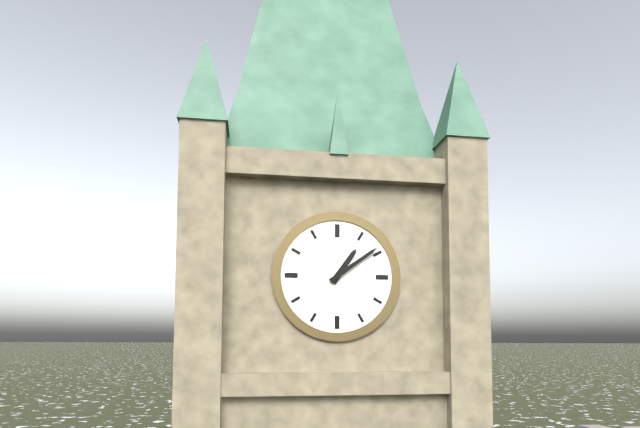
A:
1,09
